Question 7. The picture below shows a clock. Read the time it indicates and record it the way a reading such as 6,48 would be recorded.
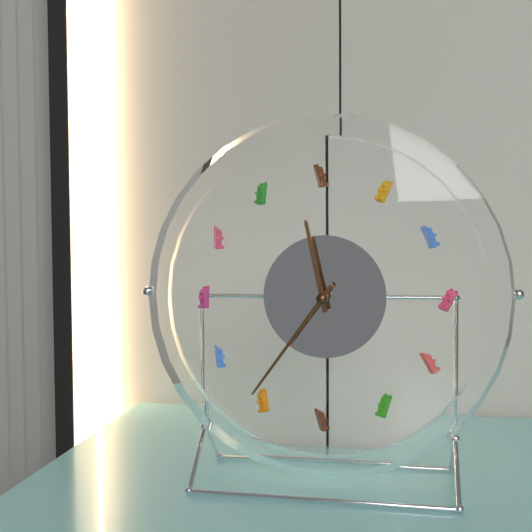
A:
11,36
